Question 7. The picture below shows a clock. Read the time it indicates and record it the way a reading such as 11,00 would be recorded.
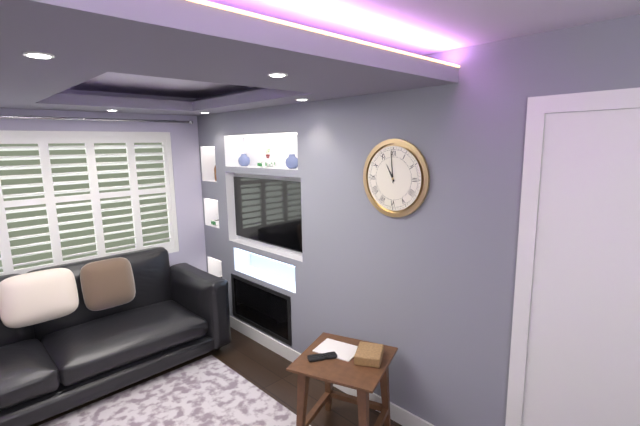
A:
10,59
